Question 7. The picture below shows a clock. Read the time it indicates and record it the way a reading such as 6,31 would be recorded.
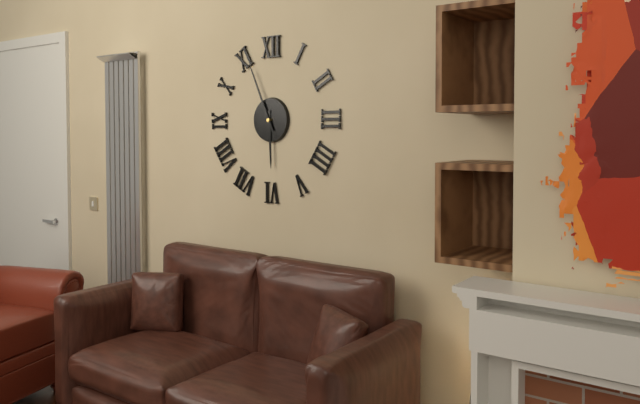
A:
5,56
